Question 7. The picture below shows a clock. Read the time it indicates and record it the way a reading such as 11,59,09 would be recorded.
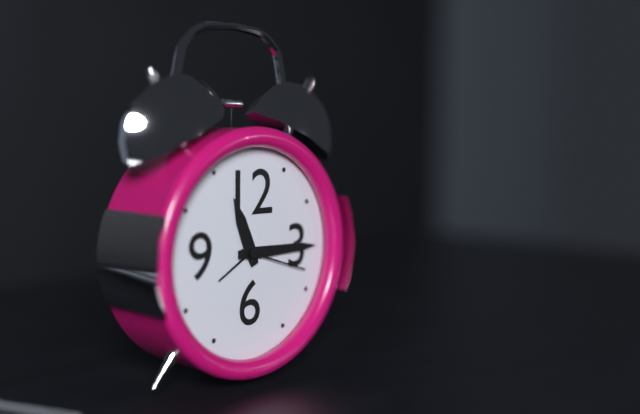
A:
11,15,18
